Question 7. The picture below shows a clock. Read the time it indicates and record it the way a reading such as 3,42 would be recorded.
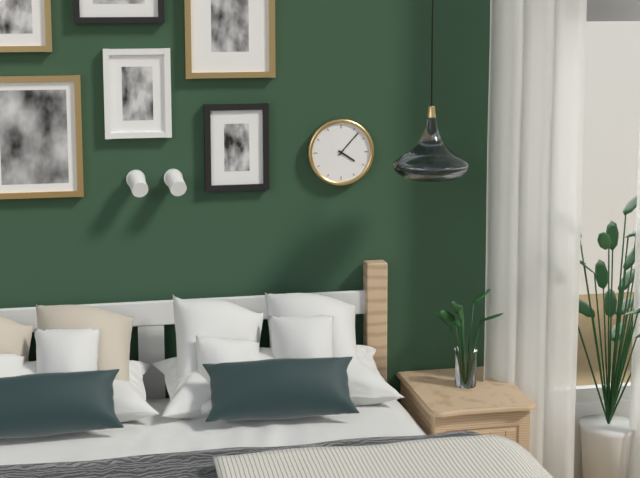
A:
4,07
